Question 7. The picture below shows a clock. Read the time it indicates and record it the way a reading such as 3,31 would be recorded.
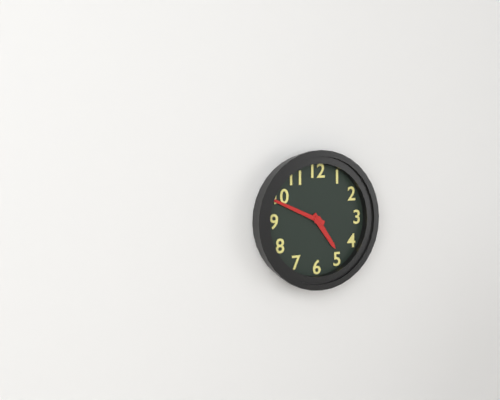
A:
4,49
